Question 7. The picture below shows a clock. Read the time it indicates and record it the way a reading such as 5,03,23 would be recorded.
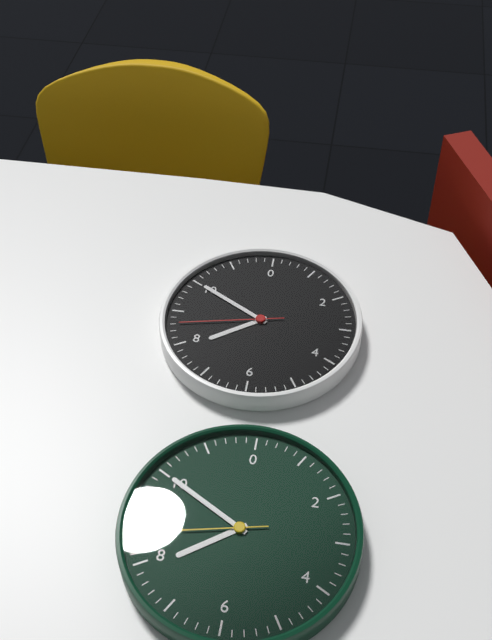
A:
7,50,43
